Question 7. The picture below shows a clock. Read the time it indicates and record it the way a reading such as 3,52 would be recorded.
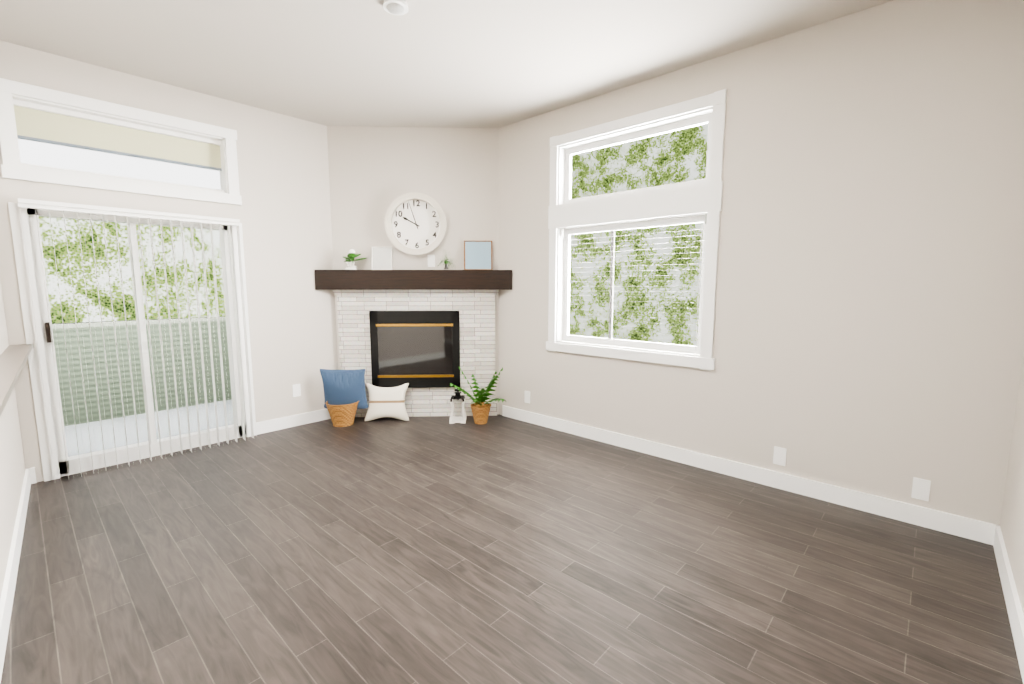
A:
9,57
